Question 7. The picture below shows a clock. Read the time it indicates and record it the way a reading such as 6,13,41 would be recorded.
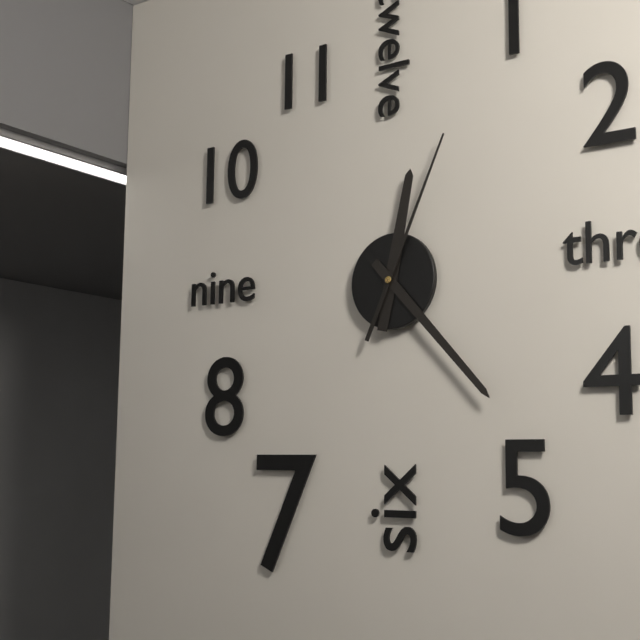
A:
12,23,04
